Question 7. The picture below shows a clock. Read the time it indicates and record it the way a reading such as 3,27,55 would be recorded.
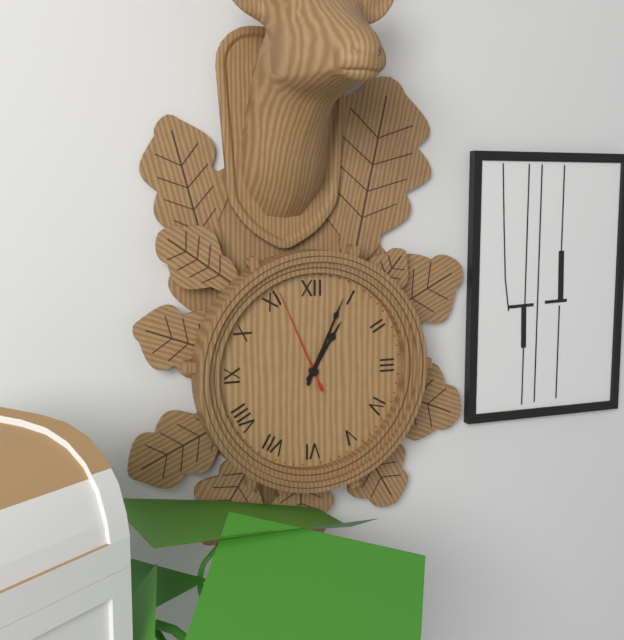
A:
1,04,56
